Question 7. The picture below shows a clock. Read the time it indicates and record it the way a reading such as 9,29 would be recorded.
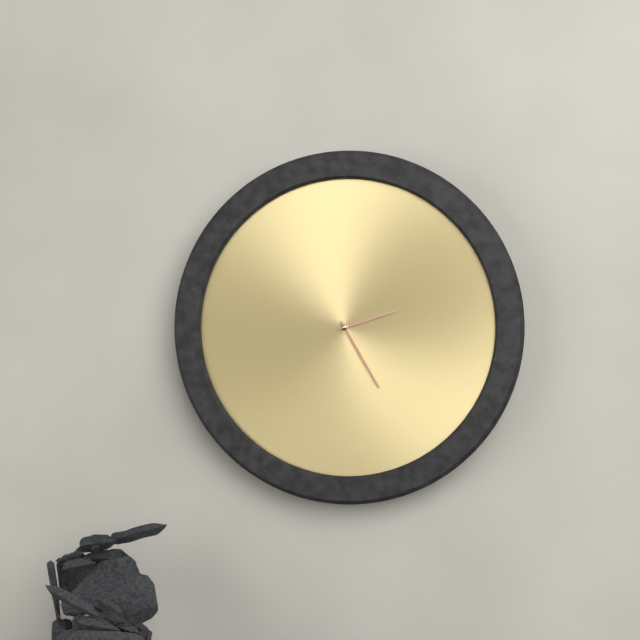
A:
2,25
